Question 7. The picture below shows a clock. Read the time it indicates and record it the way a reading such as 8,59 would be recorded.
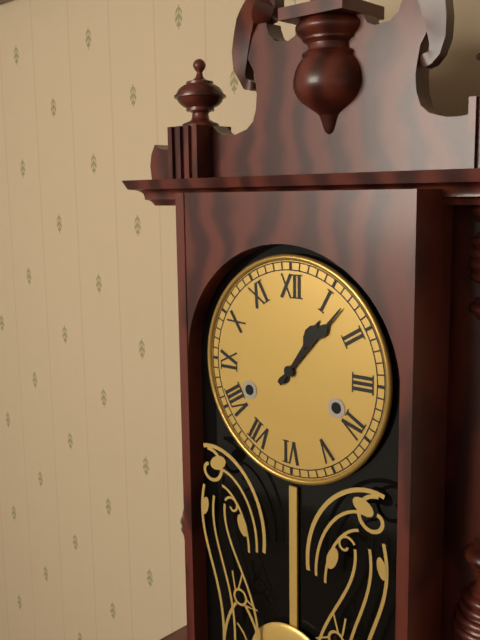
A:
1,07
